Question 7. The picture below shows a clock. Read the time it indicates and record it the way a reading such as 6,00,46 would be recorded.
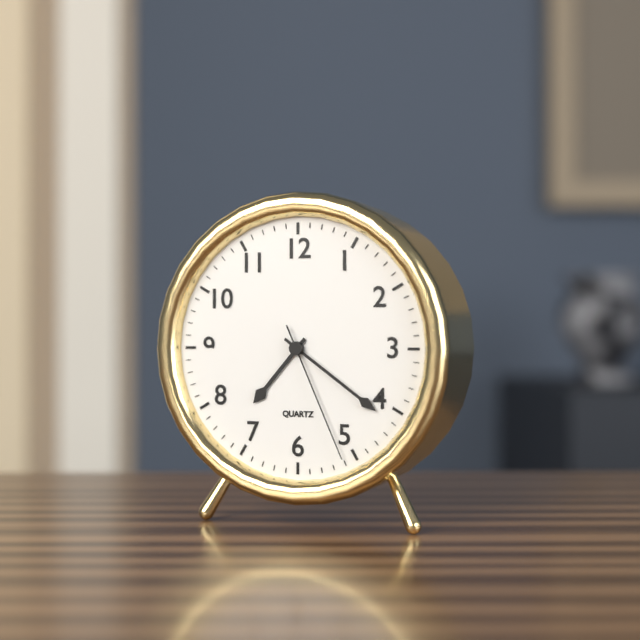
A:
7,21,26
